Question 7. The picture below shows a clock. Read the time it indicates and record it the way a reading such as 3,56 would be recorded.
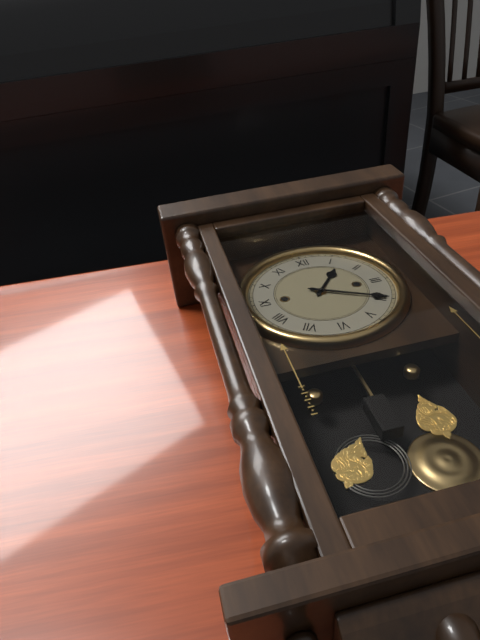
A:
1,20
